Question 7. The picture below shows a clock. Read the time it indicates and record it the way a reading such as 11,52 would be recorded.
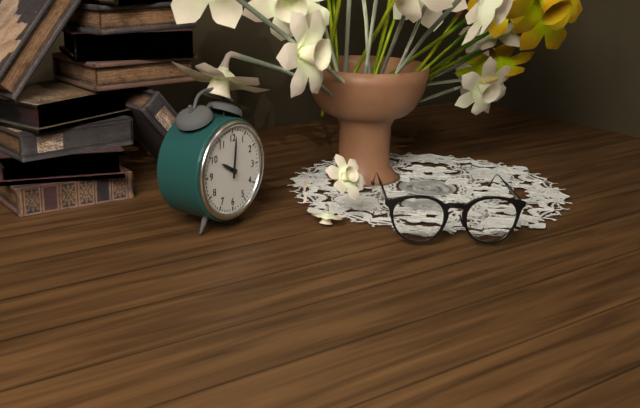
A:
10,01
